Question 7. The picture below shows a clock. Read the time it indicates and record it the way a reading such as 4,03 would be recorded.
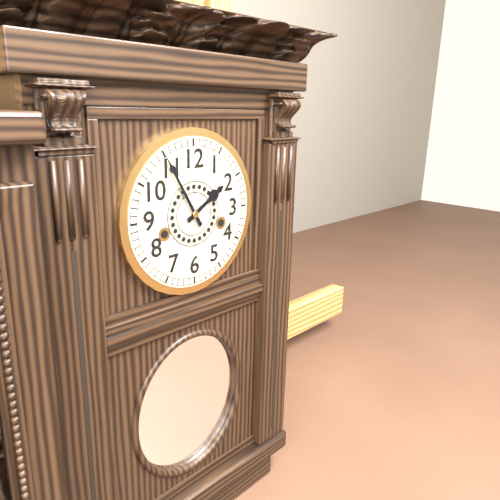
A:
1,55
